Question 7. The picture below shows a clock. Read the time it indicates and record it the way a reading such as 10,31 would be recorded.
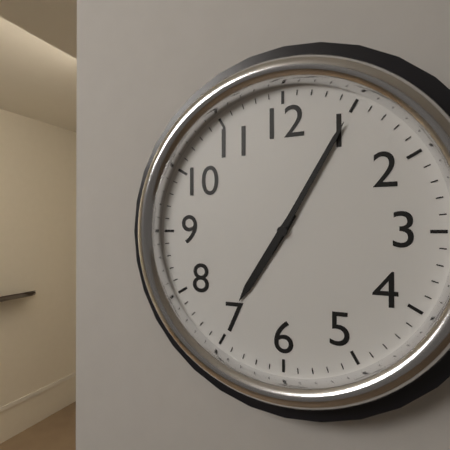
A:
7,05
